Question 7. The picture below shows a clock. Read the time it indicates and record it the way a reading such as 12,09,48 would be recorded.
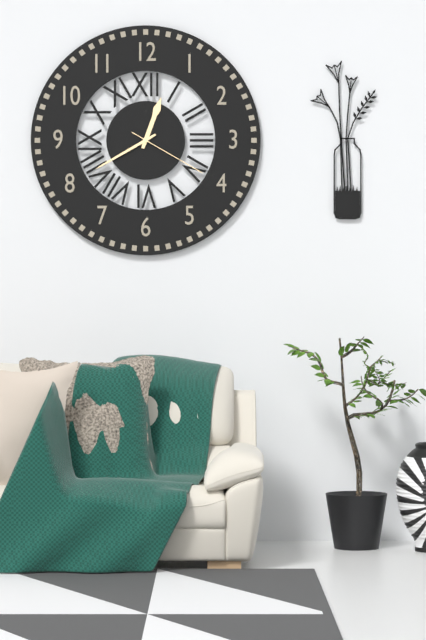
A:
12,40,20
